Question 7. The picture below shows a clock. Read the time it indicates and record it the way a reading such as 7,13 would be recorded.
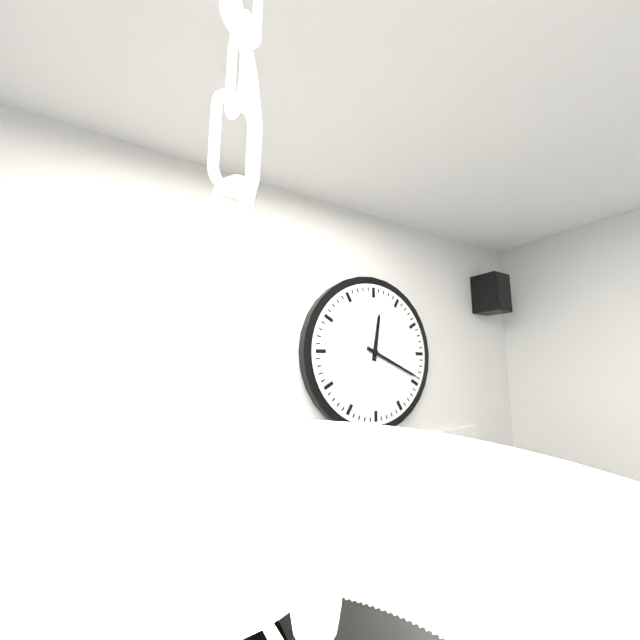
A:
12,19
